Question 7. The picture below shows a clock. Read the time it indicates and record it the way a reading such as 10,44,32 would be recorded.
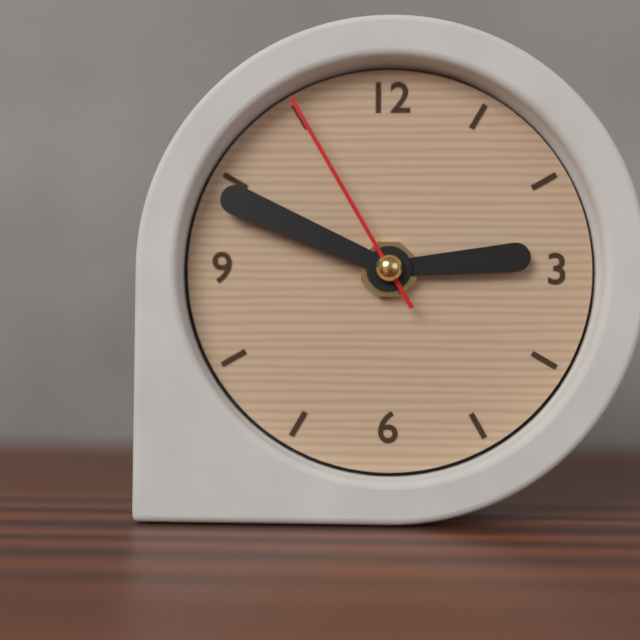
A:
2,49,55
